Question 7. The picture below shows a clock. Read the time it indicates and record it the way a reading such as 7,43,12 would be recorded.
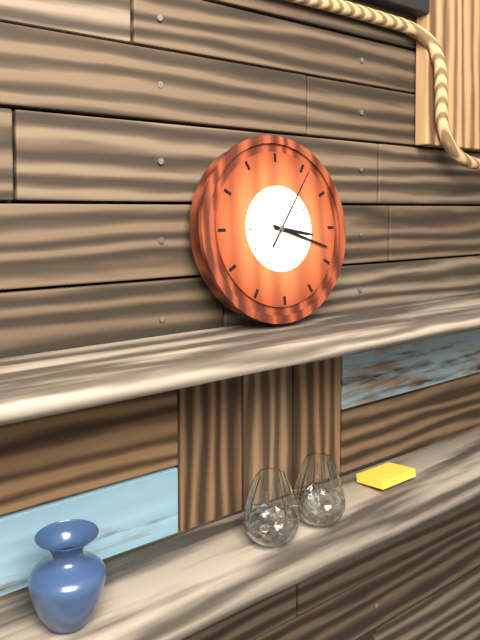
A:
3,18,06
